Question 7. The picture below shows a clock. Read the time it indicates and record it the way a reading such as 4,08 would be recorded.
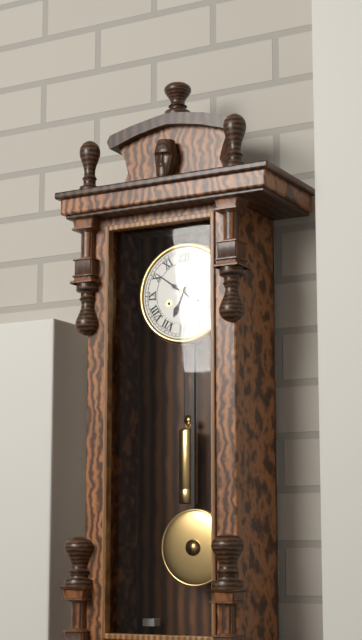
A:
6,51
